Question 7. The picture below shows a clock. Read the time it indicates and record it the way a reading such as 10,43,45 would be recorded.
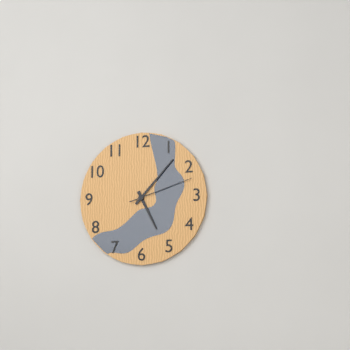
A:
5,07,12
